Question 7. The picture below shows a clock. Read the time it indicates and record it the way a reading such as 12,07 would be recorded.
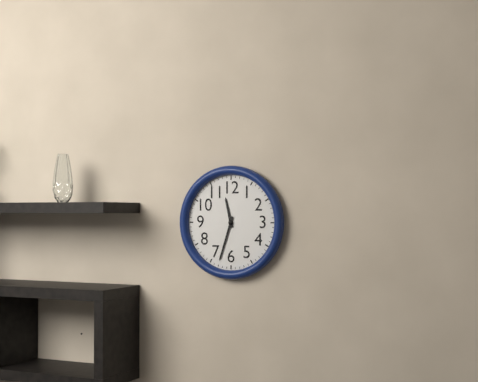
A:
11,33
